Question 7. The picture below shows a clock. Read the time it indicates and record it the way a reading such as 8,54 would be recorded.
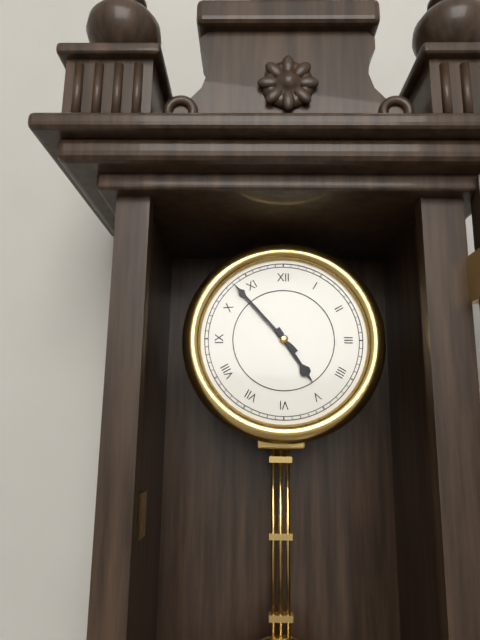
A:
4,53
